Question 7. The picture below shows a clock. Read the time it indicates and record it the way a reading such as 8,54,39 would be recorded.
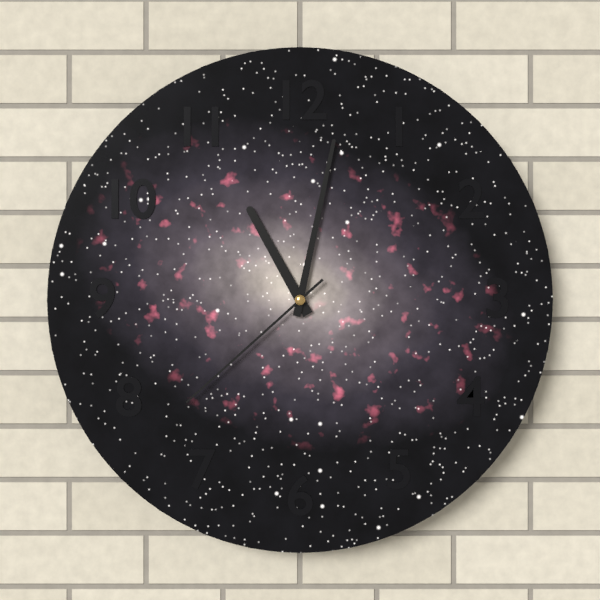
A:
11,02,38
